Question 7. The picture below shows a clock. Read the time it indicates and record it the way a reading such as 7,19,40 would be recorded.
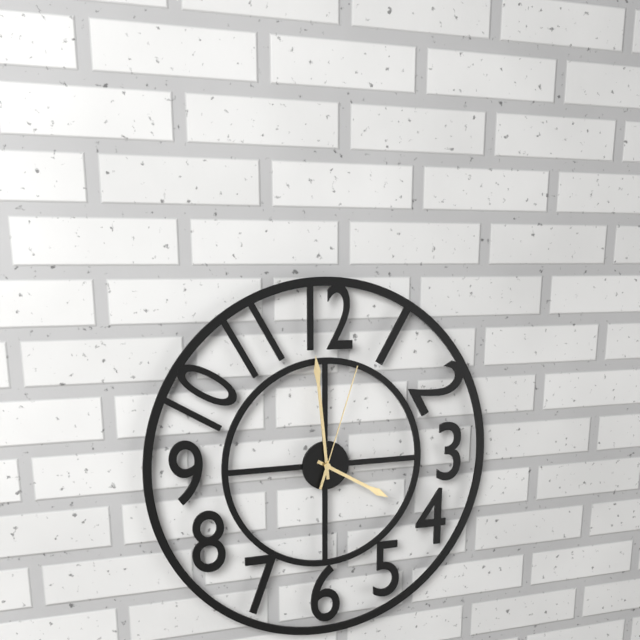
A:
3,59,03
